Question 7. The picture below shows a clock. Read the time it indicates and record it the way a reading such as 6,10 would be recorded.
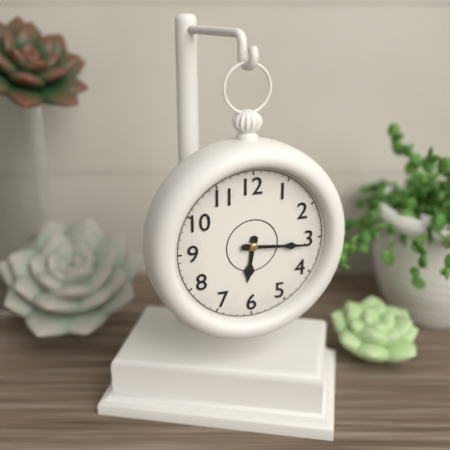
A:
6,16
